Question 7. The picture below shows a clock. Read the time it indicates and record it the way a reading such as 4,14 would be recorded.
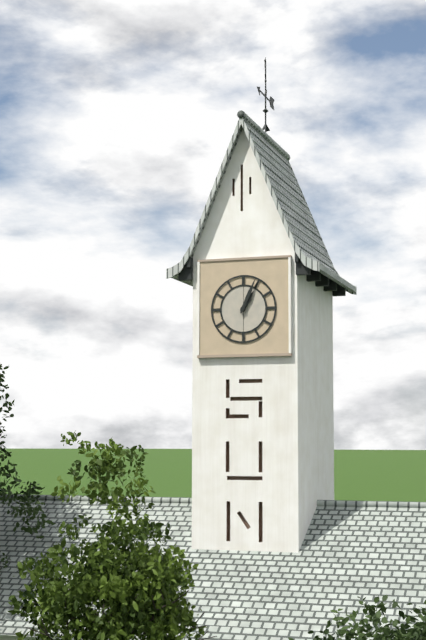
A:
1,04
